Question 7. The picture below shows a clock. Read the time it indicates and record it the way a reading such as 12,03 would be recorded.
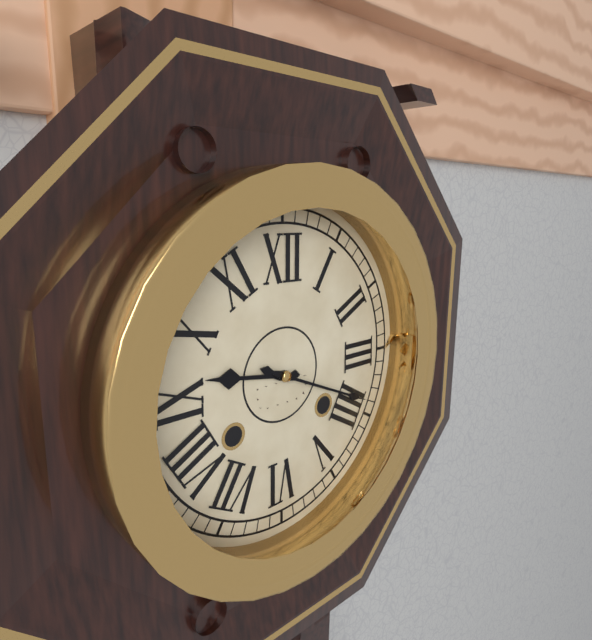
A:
9,19
